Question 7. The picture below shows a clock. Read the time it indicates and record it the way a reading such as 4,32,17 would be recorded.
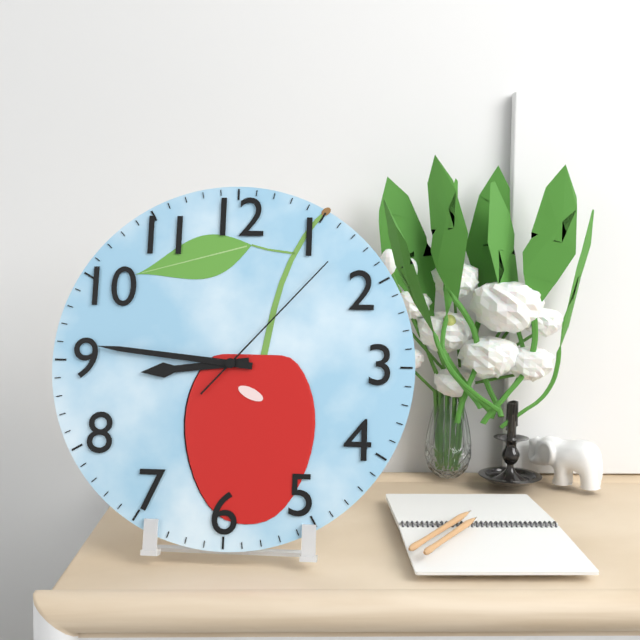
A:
8,46,07
